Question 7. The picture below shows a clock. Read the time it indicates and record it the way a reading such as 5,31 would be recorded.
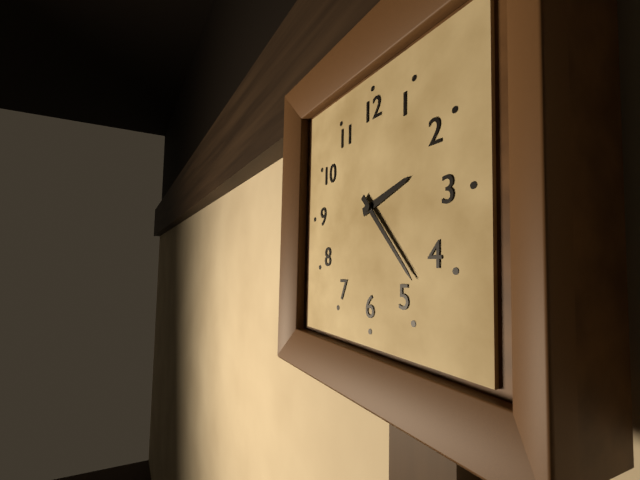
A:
2,23
